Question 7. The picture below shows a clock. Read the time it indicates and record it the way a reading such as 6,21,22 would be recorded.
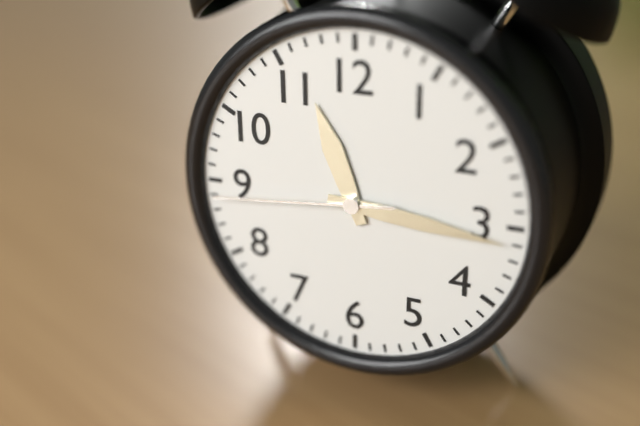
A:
11,16,44
